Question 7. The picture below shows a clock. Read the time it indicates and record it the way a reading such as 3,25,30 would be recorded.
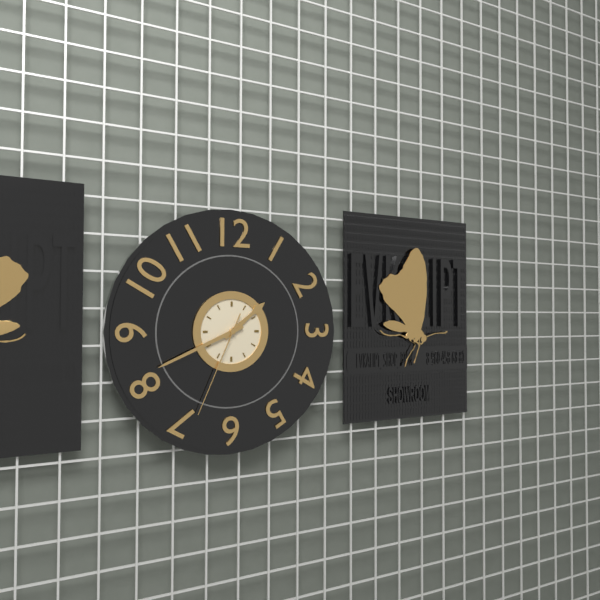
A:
1,41,34
